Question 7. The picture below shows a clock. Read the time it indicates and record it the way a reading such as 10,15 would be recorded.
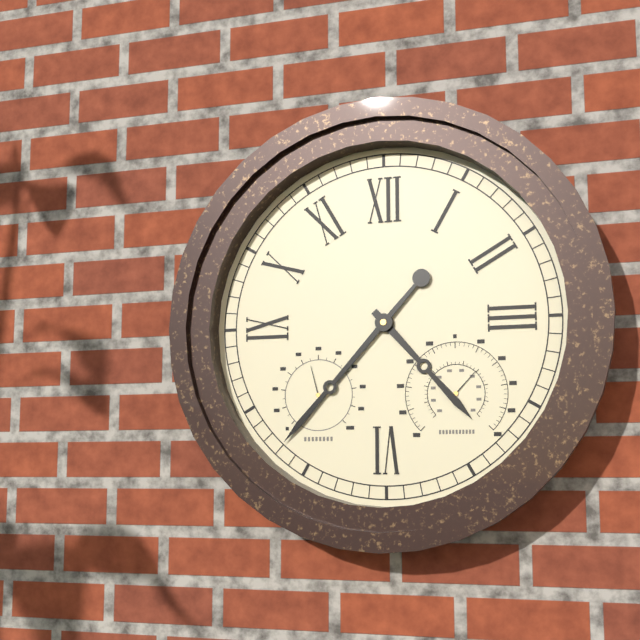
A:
4,37
